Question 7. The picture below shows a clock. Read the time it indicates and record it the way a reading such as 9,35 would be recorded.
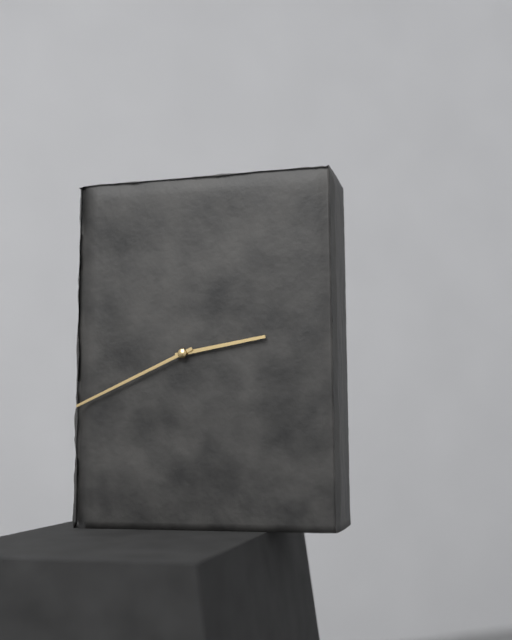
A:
2,41
